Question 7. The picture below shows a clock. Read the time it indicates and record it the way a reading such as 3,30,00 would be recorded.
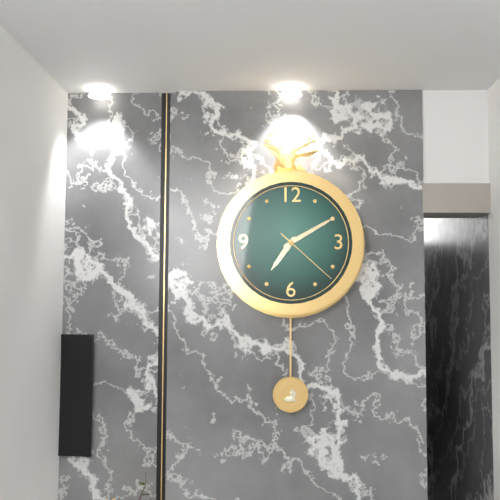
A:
7,10,22
